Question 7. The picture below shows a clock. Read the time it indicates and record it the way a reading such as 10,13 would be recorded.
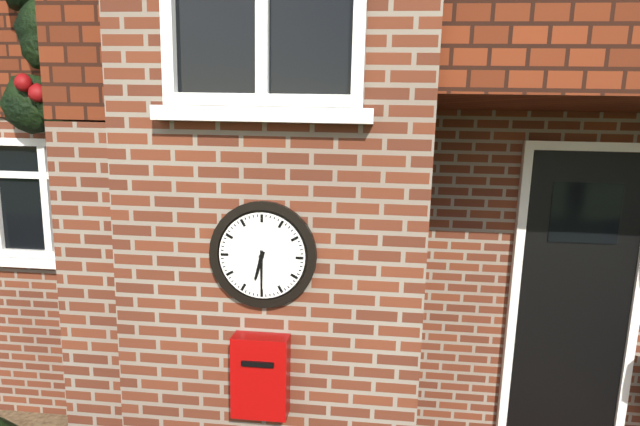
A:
6,30
